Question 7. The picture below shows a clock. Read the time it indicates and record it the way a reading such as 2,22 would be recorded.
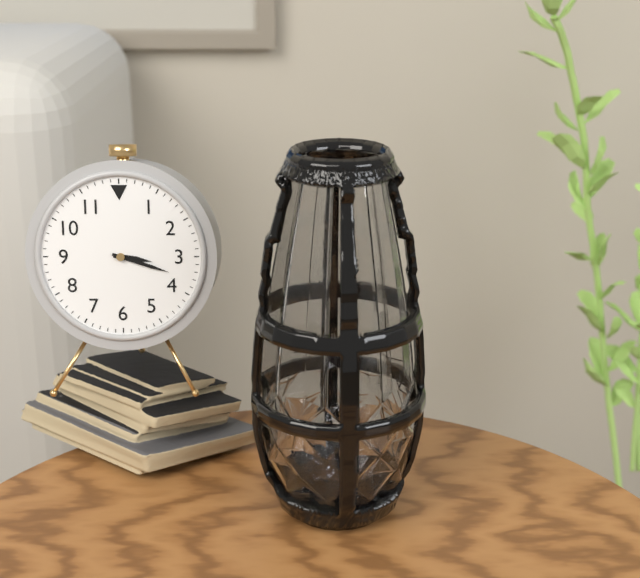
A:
3,18
